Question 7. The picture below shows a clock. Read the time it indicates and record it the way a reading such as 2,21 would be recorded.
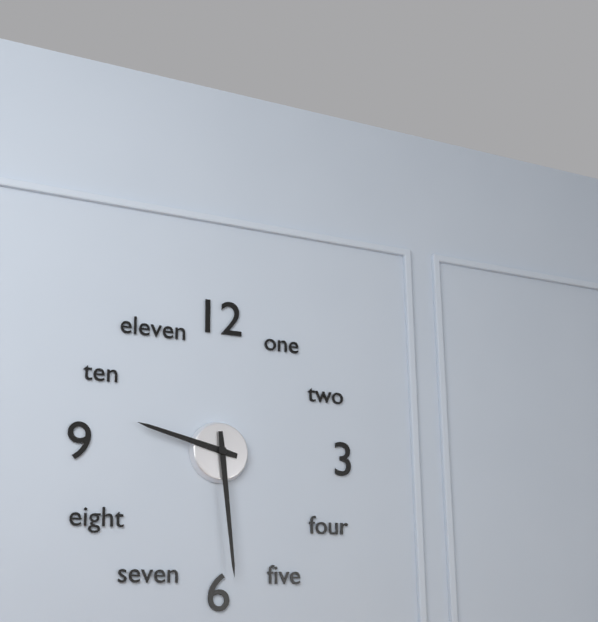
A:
9,29
